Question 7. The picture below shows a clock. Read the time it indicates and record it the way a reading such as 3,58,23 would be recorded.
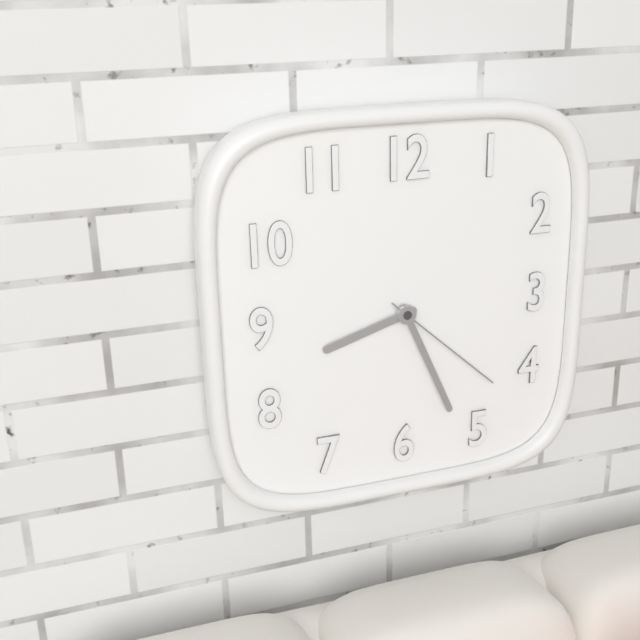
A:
8,26,22
